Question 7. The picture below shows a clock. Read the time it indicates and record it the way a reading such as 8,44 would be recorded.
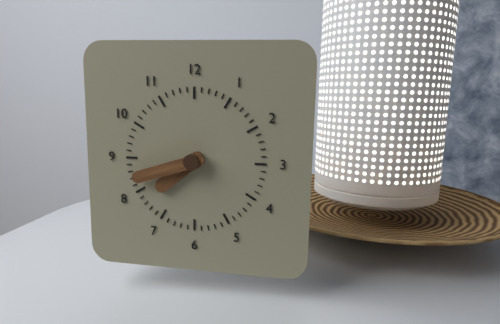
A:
7,42
